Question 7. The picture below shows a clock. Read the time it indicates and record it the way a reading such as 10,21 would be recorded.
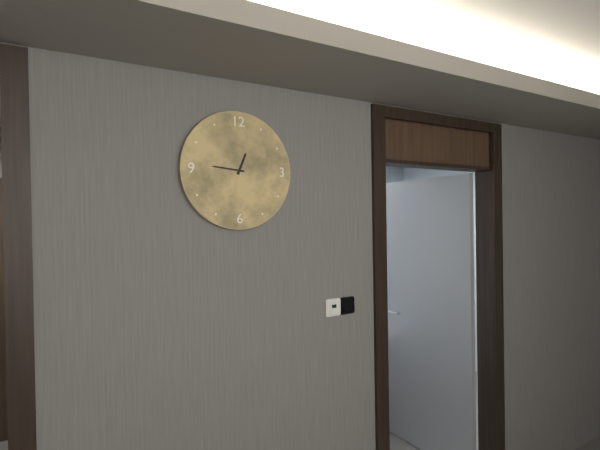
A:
12,46
